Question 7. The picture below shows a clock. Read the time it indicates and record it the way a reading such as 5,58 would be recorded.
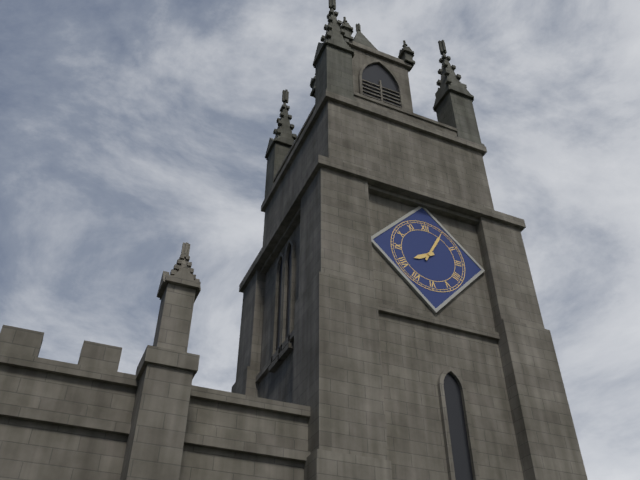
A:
8,05
